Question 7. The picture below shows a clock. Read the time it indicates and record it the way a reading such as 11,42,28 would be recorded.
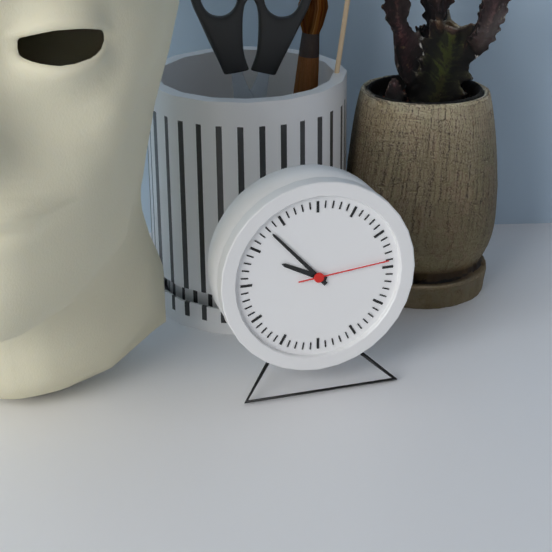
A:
9,53,14
